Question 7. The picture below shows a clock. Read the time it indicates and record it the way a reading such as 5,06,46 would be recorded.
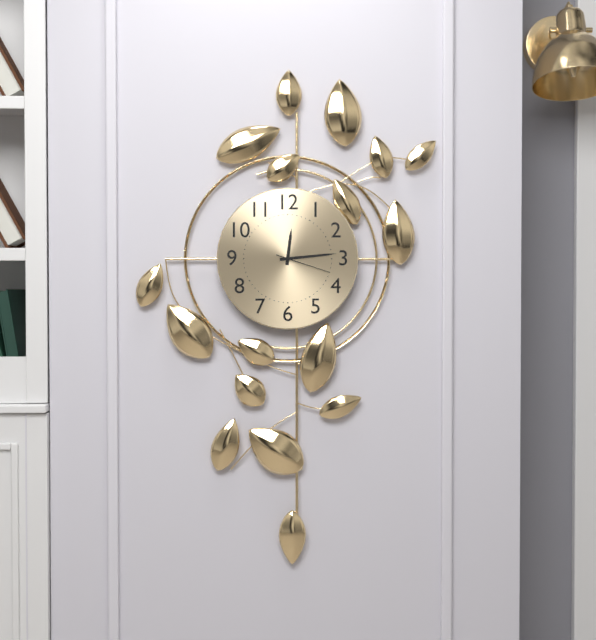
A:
12,14,18
